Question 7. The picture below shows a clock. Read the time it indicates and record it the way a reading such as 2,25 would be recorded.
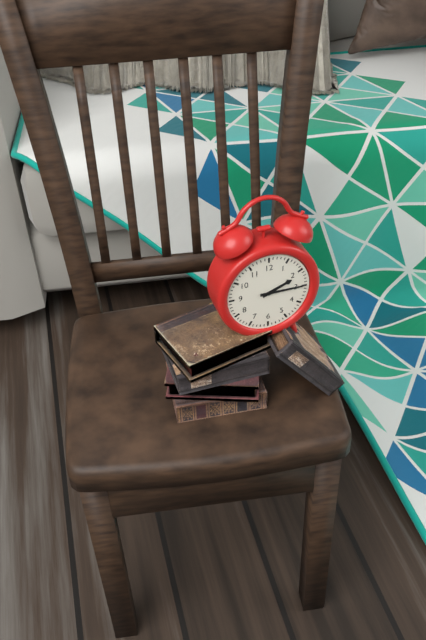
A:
2,15
